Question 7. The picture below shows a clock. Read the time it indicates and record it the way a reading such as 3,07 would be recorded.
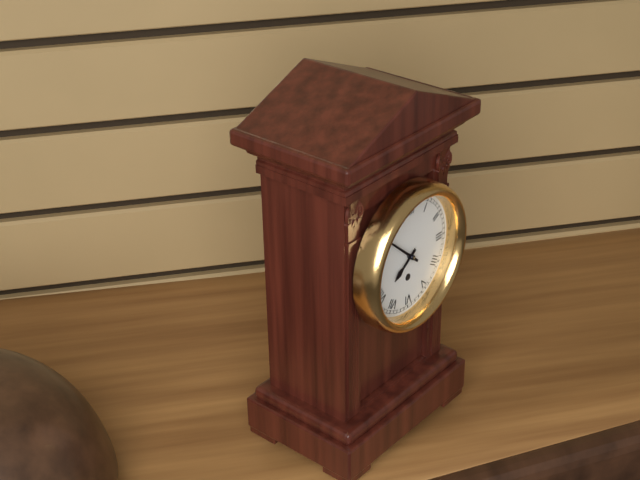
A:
7,52
